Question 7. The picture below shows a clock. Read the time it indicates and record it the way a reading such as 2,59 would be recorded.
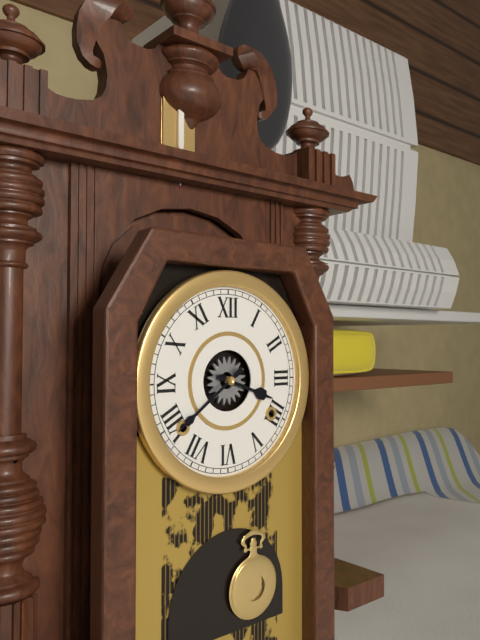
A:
3,39
